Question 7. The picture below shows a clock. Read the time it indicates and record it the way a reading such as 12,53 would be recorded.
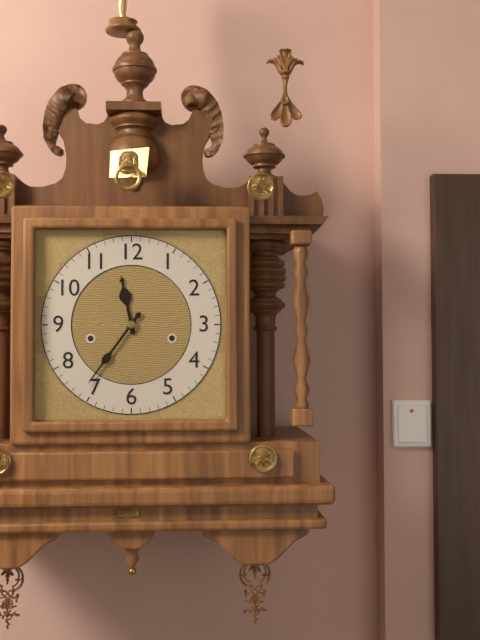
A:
11,36
